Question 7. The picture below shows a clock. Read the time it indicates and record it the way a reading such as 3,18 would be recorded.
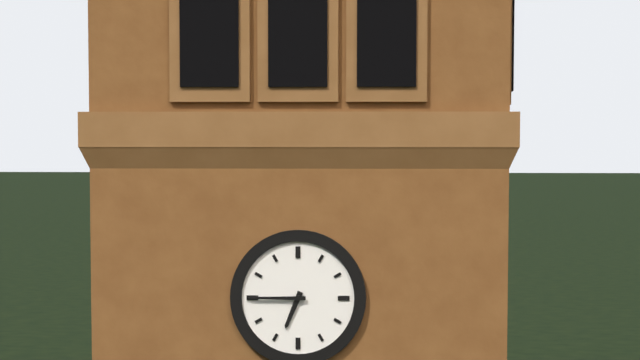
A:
6,45
